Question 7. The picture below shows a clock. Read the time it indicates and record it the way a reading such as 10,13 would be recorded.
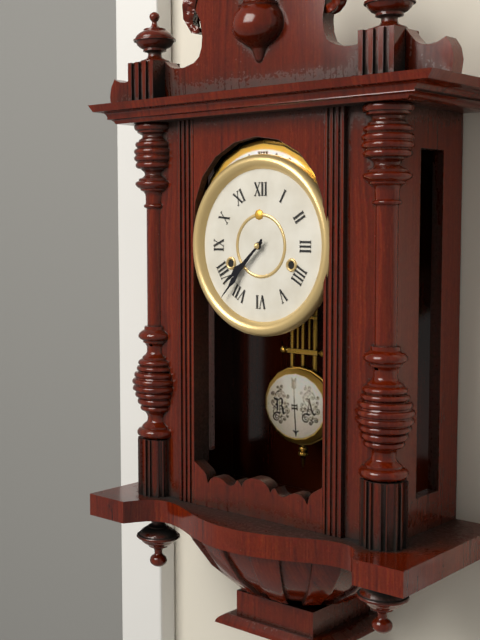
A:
7,37
